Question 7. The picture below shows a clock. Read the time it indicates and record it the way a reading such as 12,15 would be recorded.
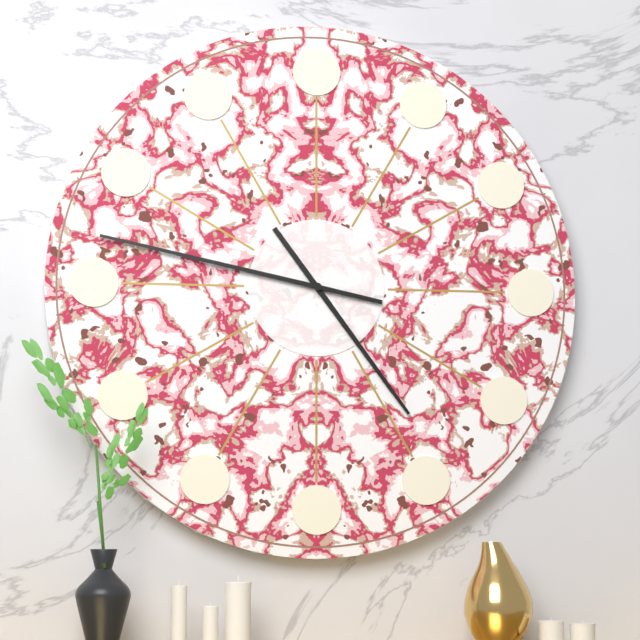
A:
4,47
